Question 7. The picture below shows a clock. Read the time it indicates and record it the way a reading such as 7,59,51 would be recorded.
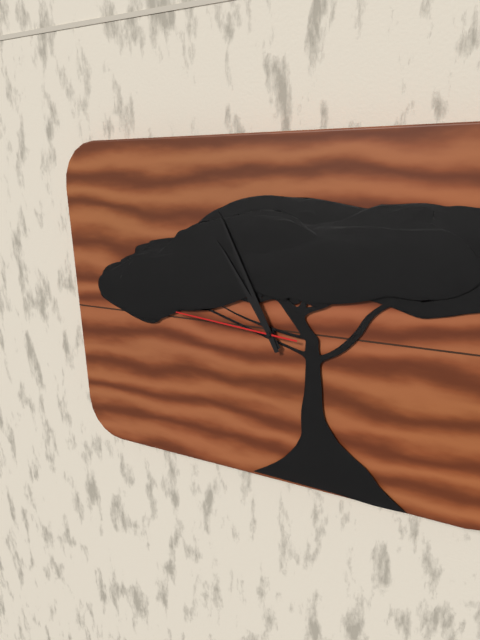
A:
10,56,46
